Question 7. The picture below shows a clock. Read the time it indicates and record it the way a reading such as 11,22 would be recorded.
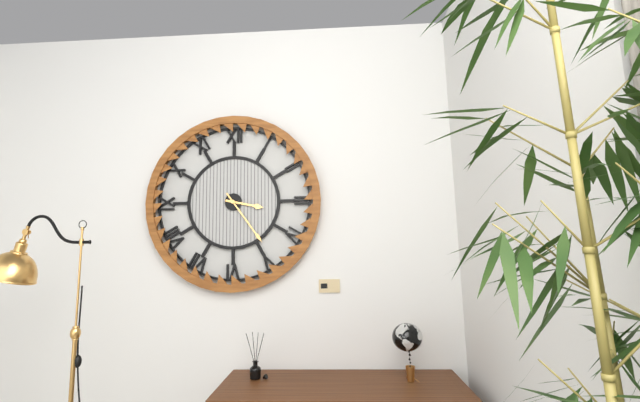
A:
3,24
